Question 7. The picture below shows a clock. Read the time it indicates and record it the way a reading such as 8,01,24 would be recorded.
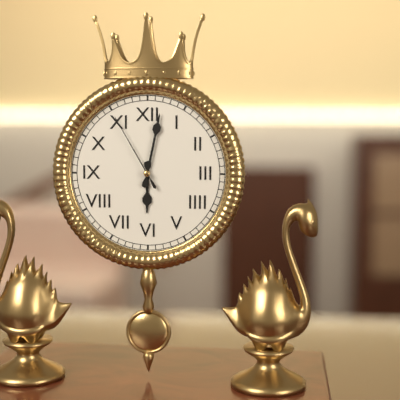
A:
6,02,55
